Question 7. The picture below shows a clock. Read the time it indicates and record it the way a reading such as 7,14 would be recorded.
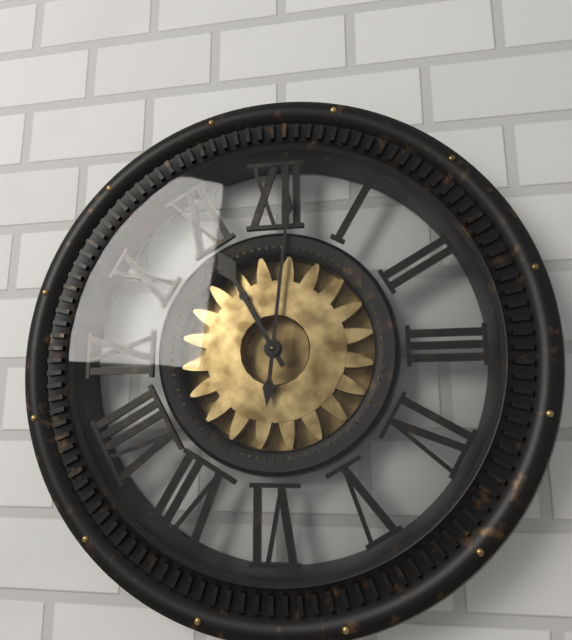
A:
11,01
